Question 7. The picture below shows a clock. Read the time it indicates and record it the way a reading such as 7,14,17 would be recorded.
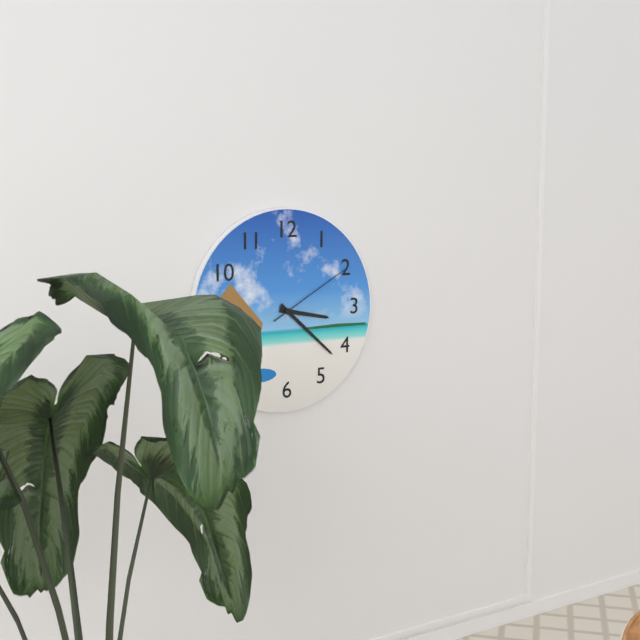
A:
3,22,10
